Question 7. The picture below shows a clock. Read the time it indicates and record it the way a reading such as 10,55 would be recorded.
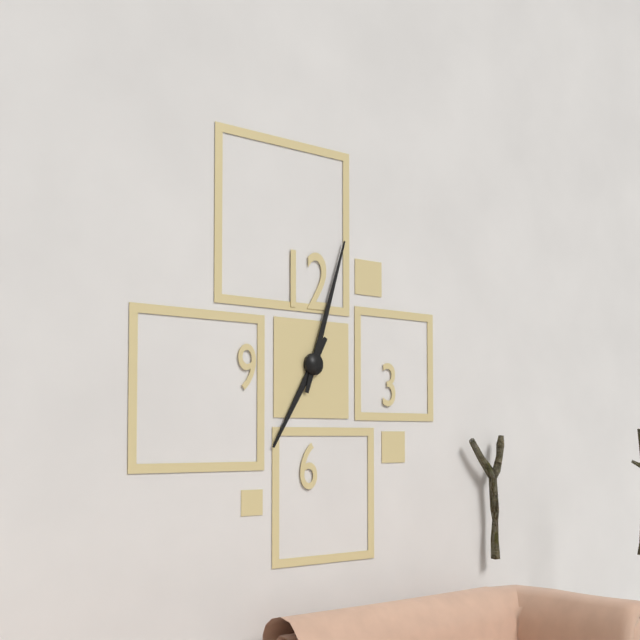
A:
7,03
